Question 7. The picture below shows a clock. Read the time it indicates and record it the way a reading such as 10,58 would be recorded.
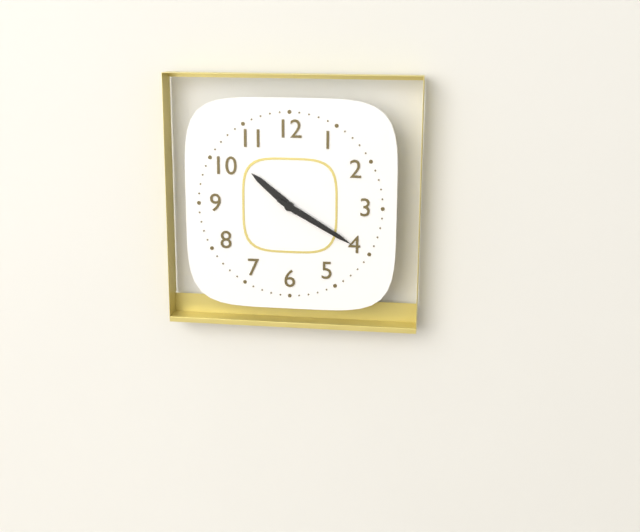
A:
10,20
